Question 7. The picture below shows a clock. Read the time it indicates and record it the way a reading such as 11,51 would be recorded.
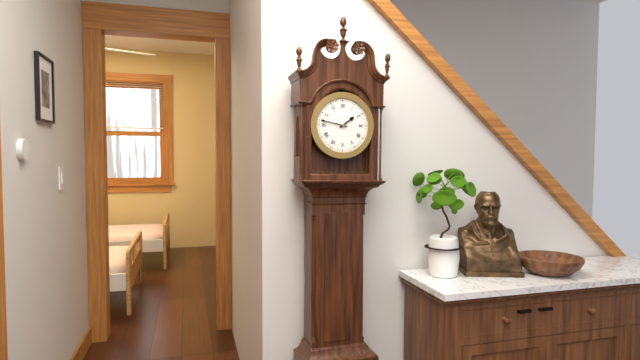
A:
1,47
